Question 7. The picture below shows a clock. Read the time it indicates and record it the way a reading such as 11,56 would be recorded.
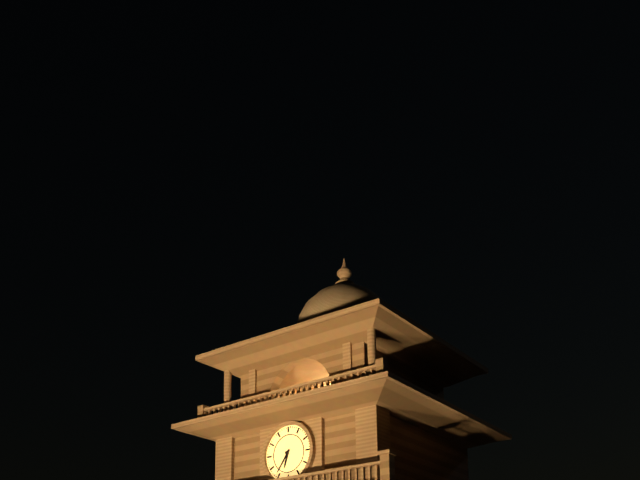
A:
6,36
